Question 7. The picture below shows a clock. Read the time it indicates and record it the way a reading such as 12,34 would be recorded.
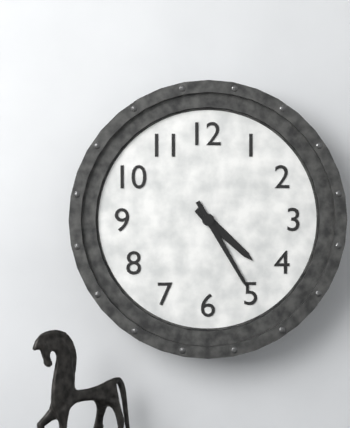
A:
4,25
